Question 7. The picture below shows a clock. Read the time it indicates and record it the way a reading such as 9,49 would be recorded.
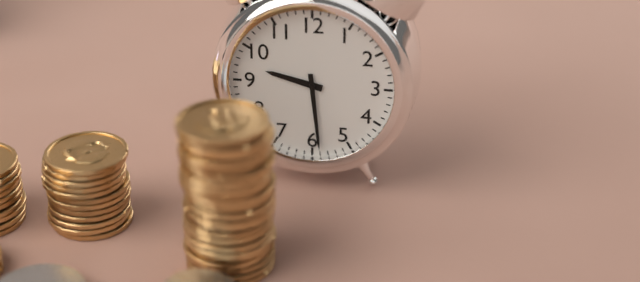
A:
9,29
